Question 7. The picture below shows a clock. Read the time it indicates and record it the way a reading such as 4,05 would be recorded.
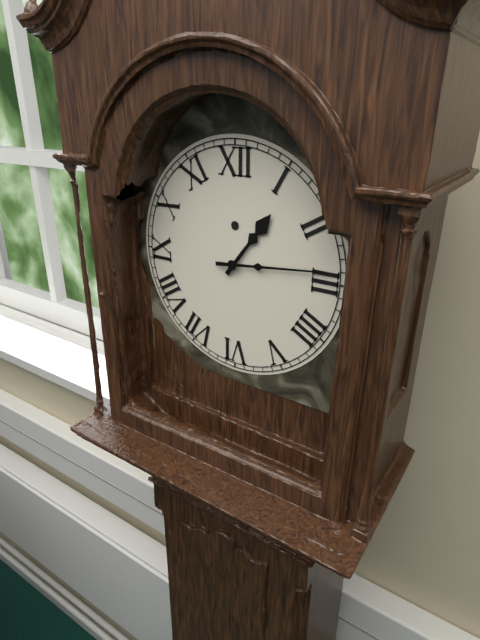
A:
1,14
